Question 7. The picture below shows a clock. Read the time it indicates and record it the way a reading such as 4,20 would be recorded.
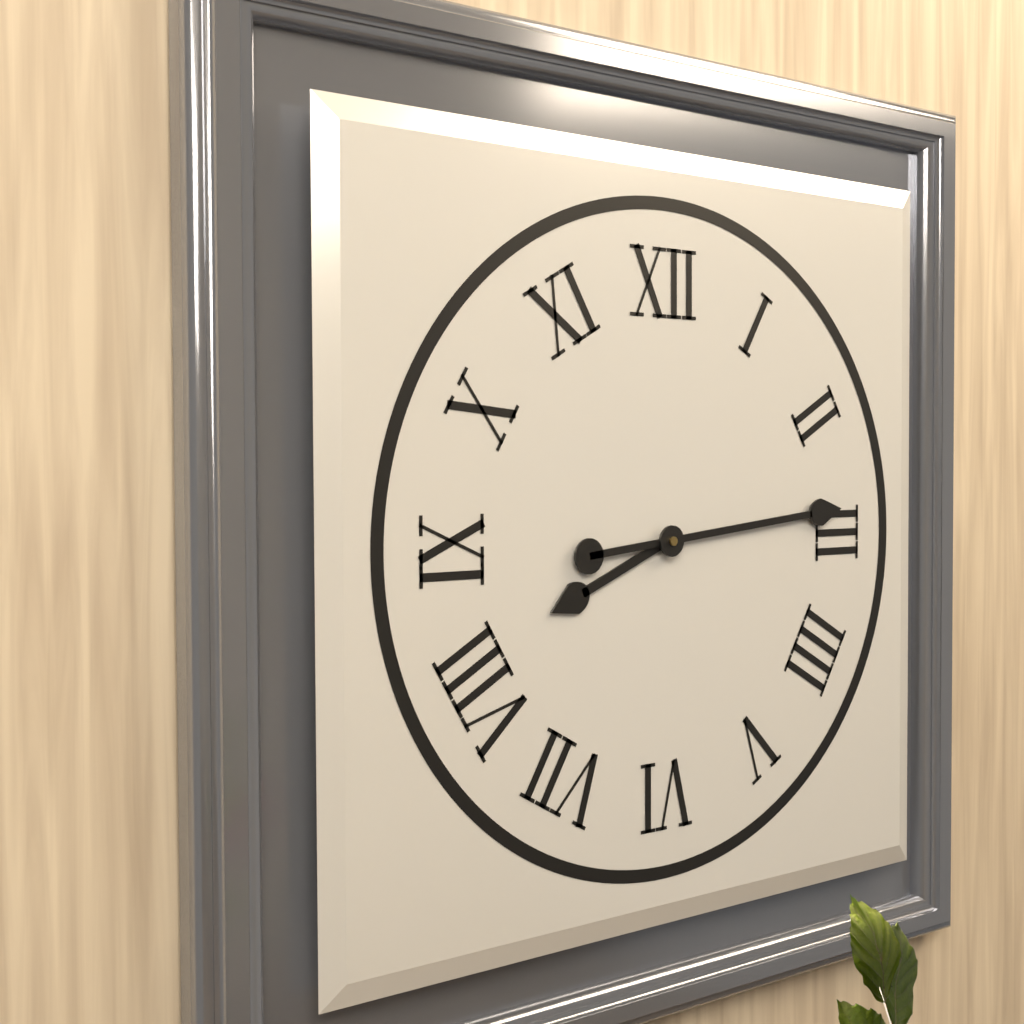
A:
8,14
